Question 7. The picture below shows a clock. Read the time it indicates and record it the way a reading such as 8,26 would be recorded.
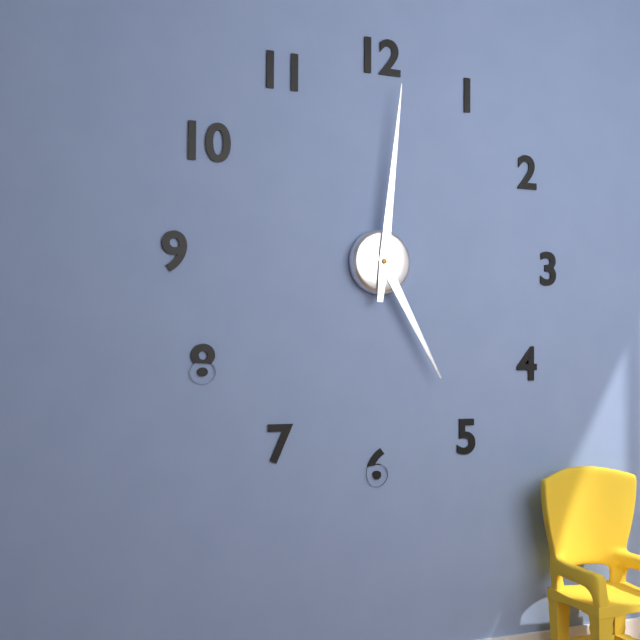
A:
5,01
